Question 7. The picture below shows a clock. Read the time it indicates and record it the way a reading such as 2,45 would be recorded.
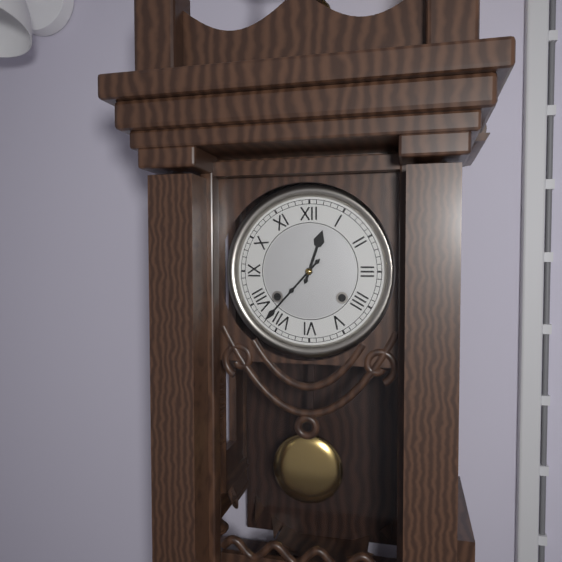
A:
12,37
